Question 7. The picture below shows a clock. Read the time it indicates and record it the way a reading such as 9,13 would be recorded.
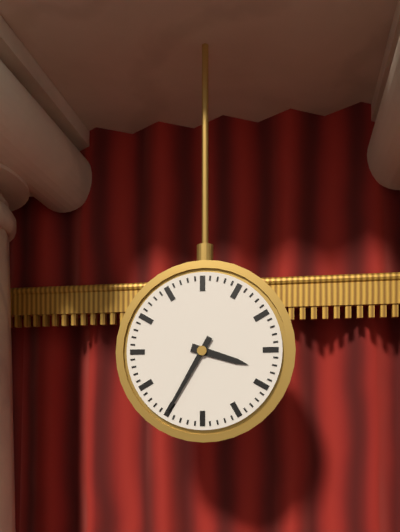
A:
3,35
